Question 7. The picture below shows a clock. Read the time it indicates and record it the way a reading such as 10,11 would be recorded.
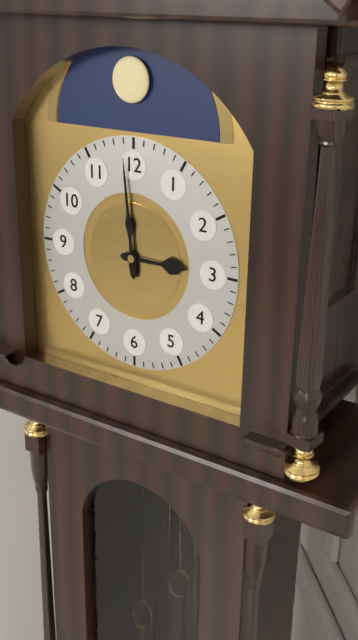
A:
2,59
